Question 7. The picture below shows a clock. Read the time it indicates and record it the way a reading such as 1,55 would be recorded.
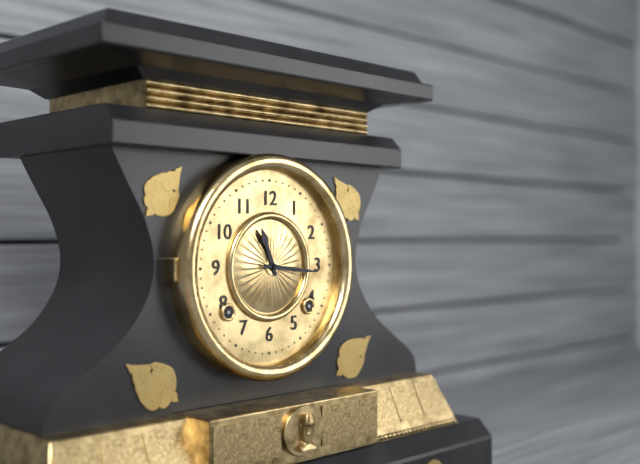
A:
11,16
